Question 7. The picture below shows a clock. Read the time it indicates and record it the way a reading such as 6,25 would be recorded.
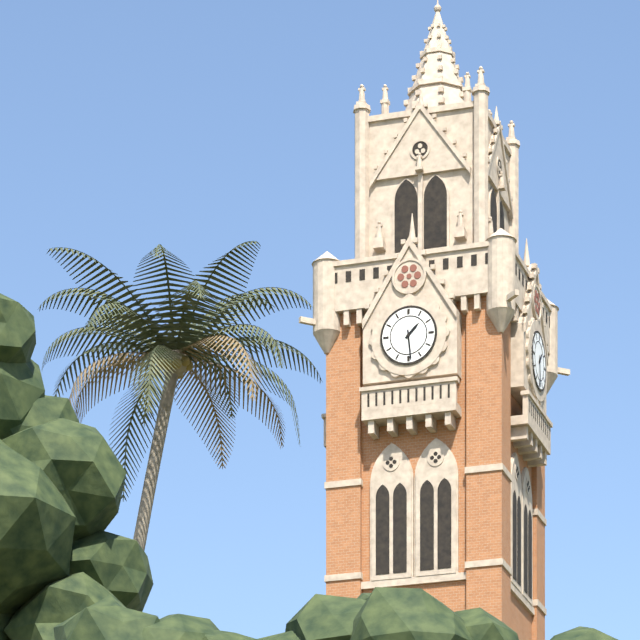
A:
1,29
